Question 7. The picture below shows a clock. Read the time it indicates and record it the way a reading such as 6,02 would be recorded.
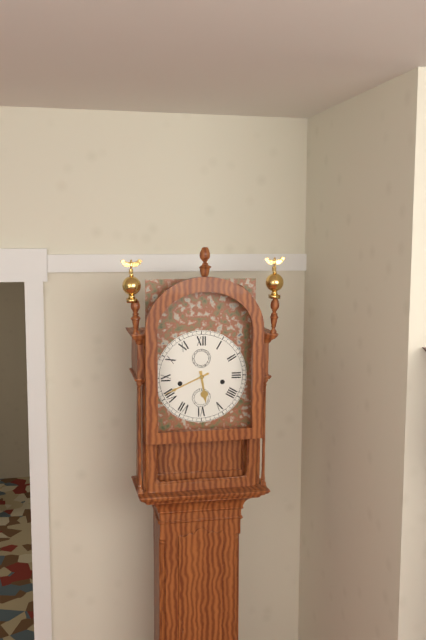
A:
5,41
